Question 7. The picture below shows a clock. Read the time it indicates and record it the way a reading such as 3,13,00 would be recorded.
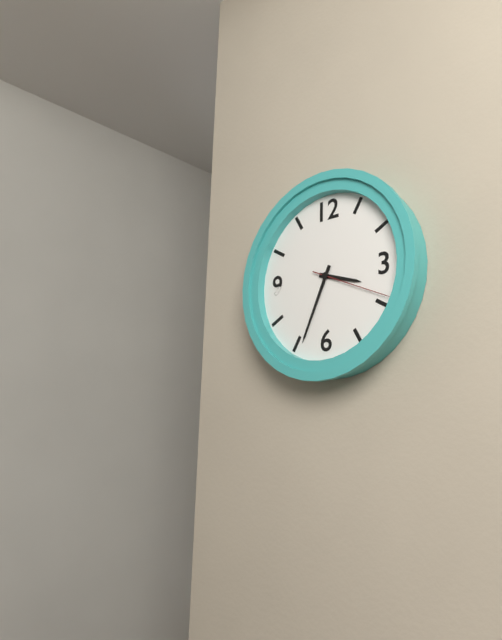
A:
3,34,19
